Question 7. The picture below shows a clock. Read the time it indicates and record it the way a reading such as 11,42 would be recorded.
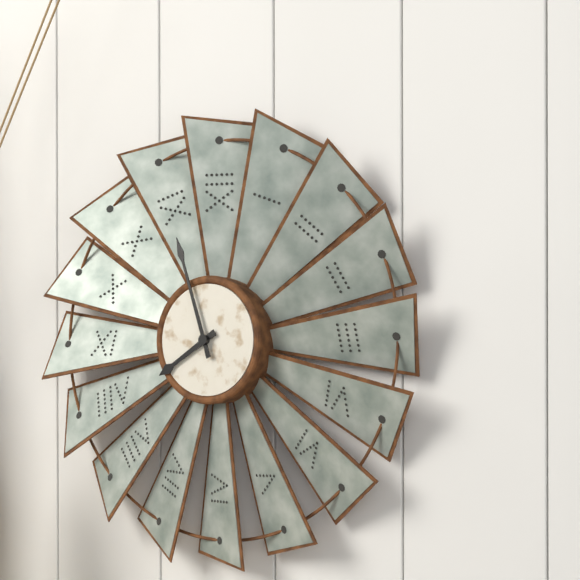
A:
7,57
